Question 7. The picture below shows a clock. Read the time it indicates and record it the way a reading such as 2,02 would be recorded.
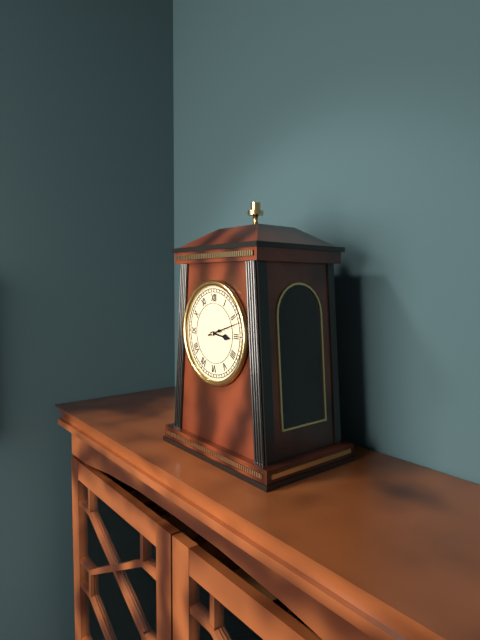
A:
3,12
